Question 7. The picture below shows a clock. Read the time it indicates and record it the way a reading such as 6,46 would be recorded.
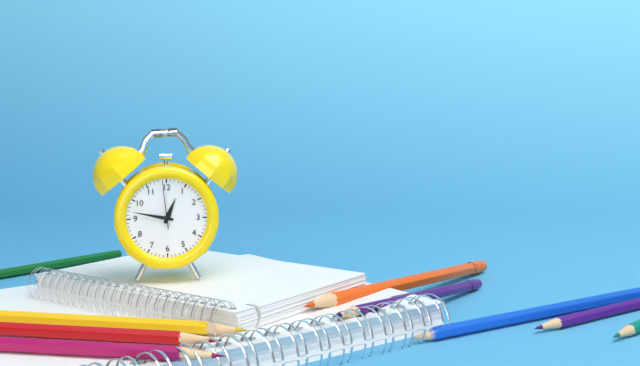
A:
12,47
